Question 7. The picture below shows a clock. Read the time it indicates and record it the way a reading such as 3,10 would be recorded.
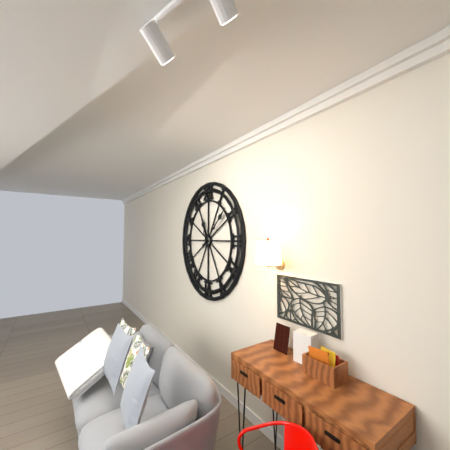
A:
11,08
